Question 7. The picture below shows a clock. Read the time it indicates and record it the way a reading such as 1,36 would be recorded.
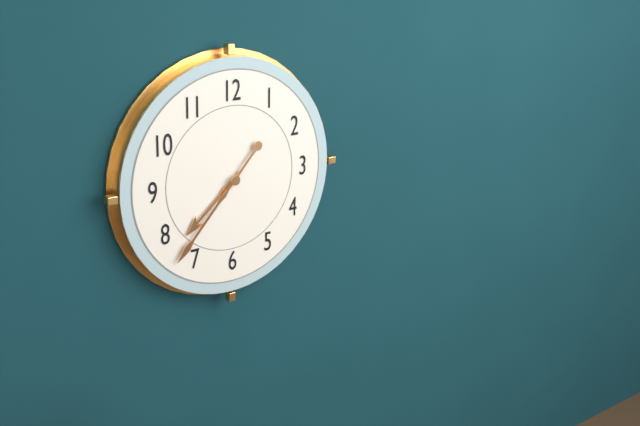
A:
7,37
